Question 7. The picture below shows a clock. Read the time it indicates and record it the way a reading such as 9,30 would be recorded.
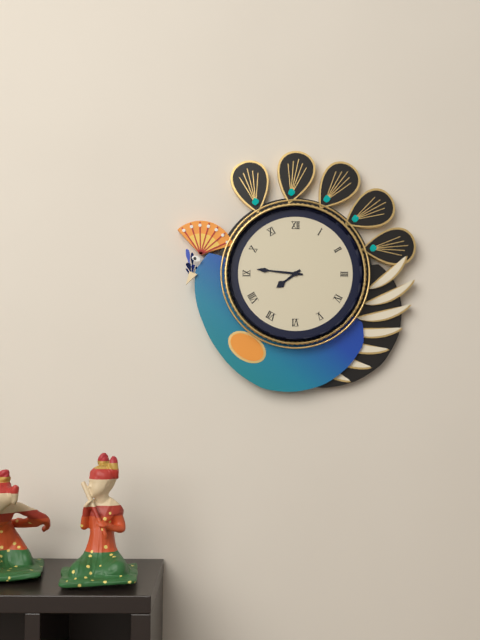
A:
7,46
